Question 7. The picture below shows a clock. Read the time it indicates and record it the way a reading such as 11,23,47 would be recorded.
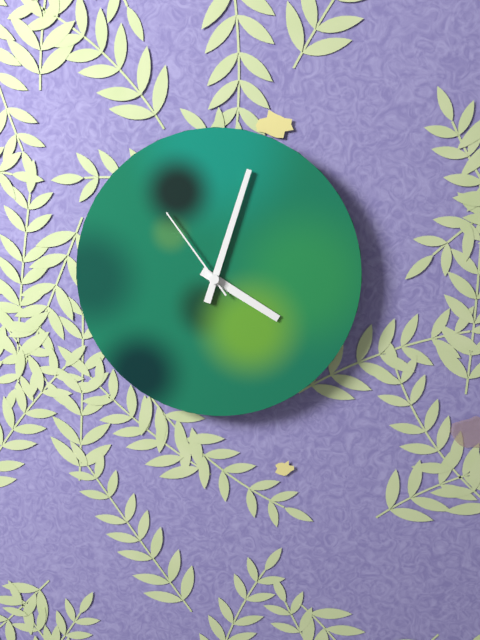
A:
4,03,54
